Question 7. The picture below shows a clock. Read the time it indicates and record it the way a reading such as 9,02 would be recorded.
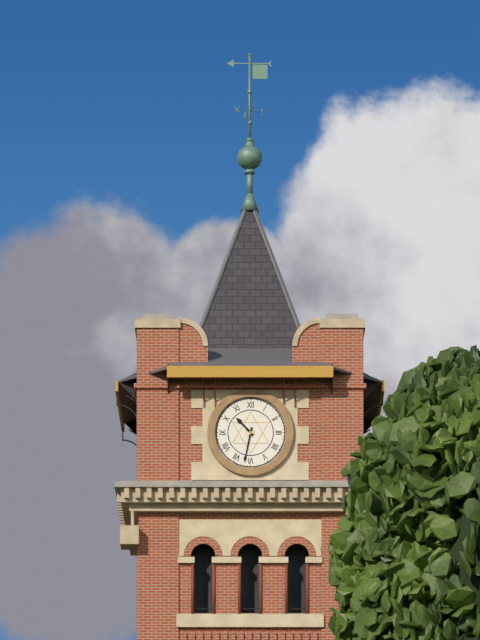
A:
10,32
